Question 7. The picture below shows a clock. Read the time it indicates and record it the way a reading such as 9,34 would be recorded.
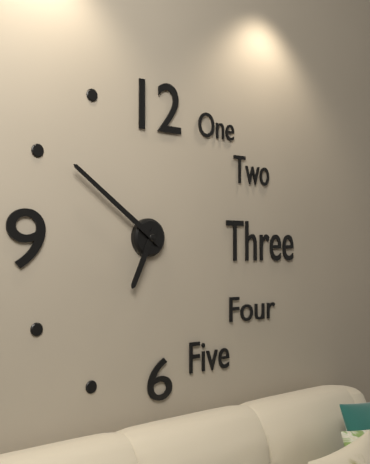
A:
6,51
